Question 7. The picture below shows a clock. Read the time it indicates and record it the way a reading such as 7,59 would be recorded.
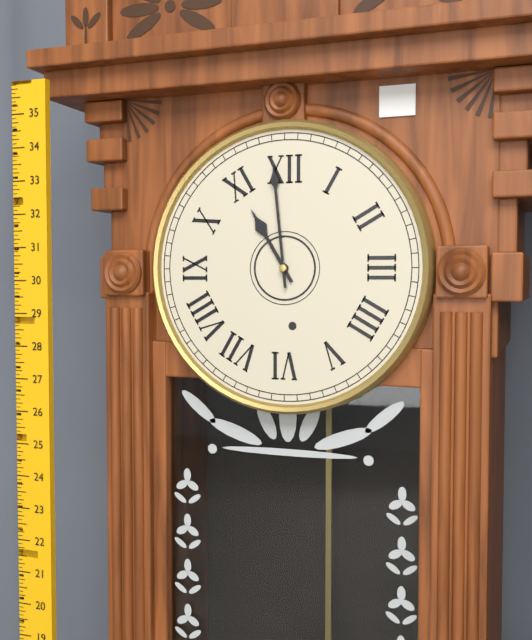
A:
10,59
